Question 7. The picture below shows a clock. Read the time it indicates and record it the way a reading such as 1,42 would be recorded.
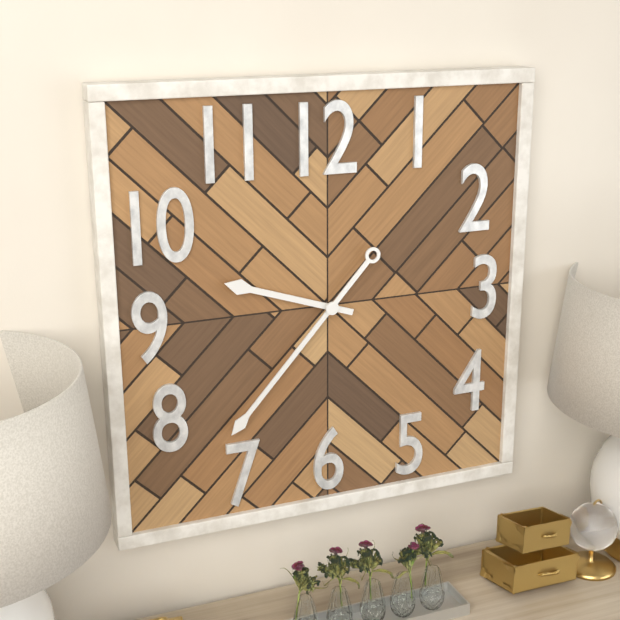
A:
9,37
